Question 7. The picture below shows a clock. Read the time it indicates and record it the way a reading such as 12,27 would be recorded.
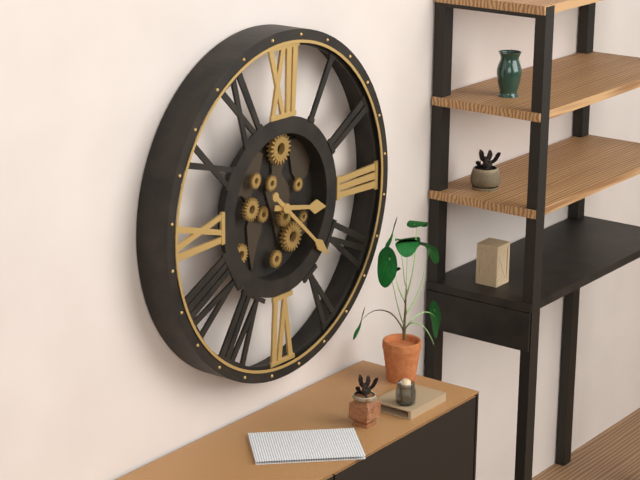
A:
3,22
